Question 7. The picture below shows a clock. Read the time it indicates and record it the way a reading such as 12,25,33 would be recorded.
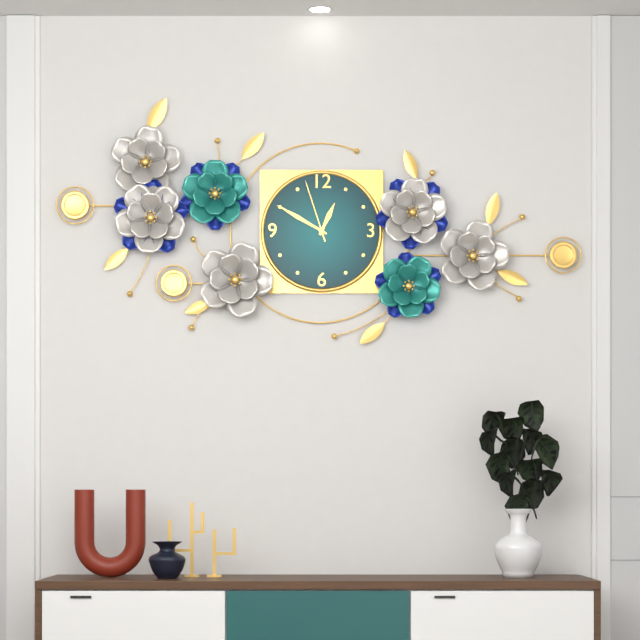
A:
12,50,57
